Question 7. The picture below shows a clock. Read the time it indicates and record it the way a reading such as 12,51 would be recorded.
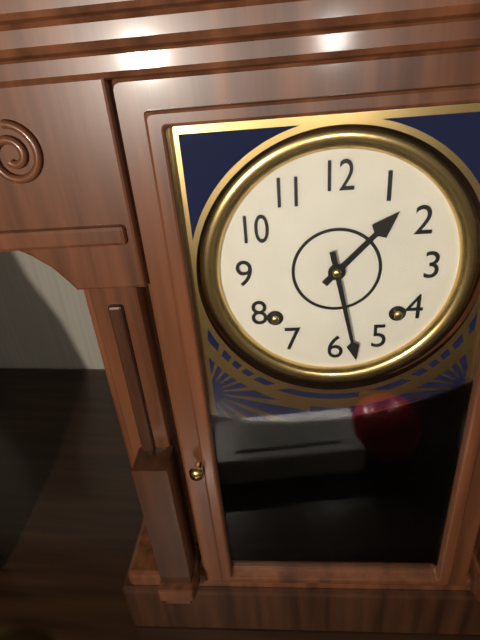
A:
1,28
